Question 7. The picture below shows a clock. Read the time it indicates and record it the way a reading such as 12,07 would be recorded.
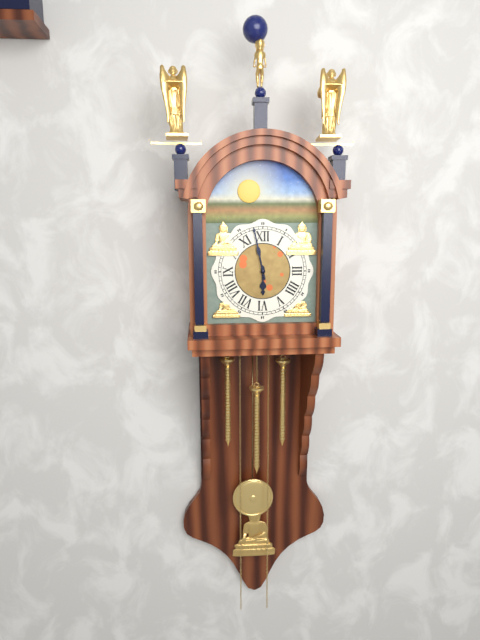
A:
5,58
